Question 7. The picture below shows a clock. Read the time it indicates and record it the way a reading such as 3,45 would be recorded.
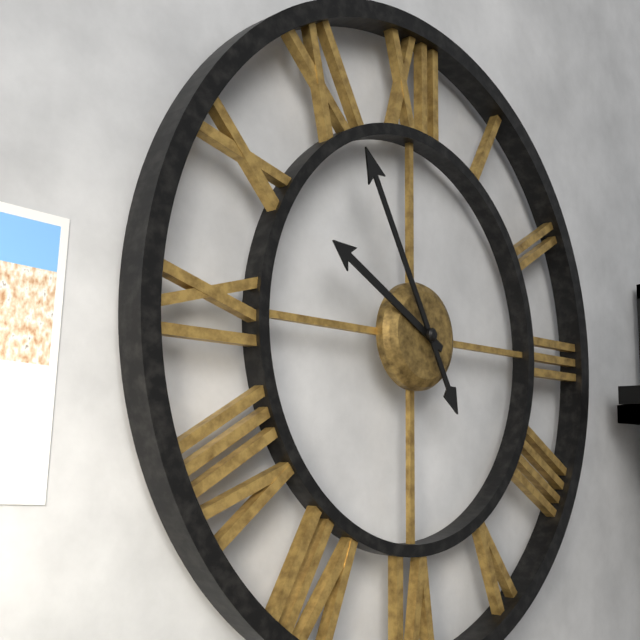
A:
9,55
